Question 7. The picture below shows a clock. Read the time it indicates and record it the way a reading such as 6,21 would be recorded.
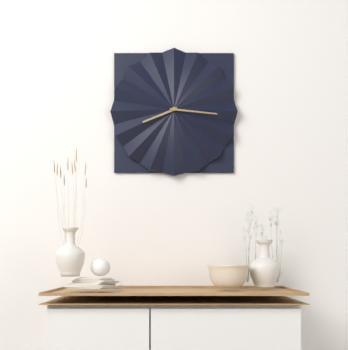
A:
8,16
